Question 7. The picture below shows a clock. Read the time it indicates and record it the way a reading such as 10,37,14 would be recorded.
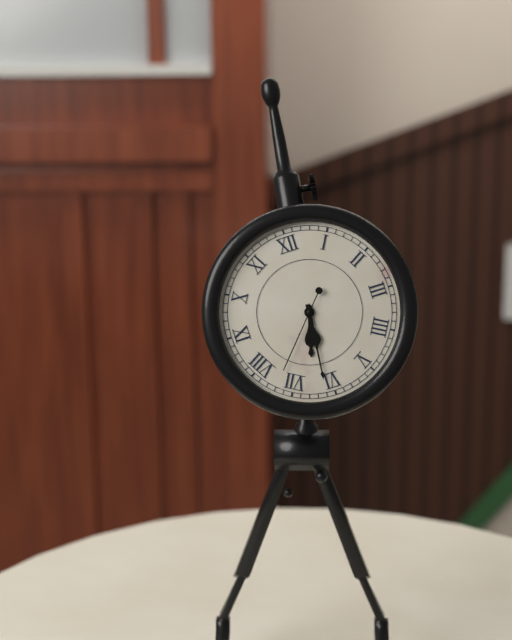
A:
6,31,37
